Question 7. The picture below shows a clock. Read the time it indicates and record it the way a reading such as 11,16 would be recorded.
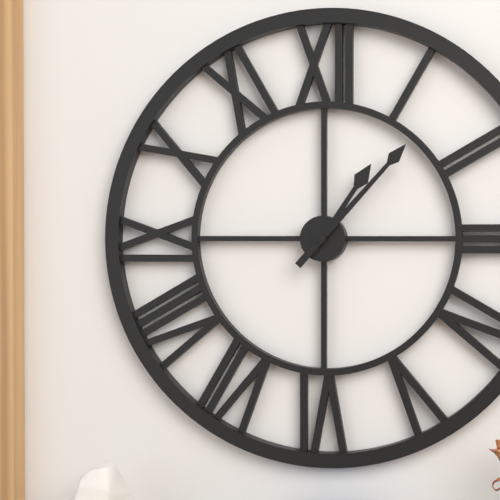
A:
1,07
